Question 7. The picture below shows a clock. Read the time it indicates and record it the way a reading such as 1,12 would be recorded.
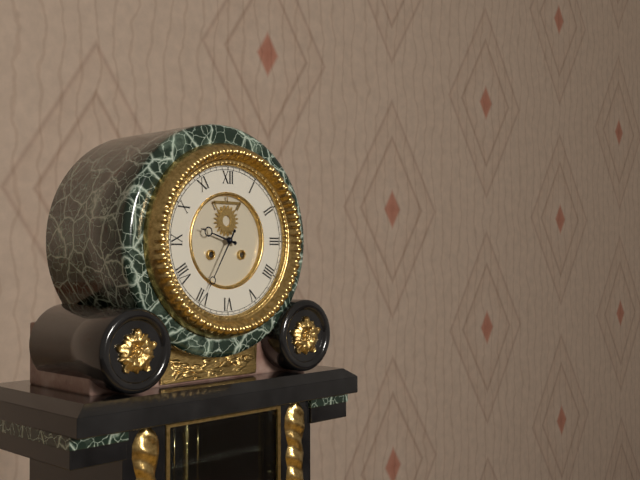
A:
9,35
